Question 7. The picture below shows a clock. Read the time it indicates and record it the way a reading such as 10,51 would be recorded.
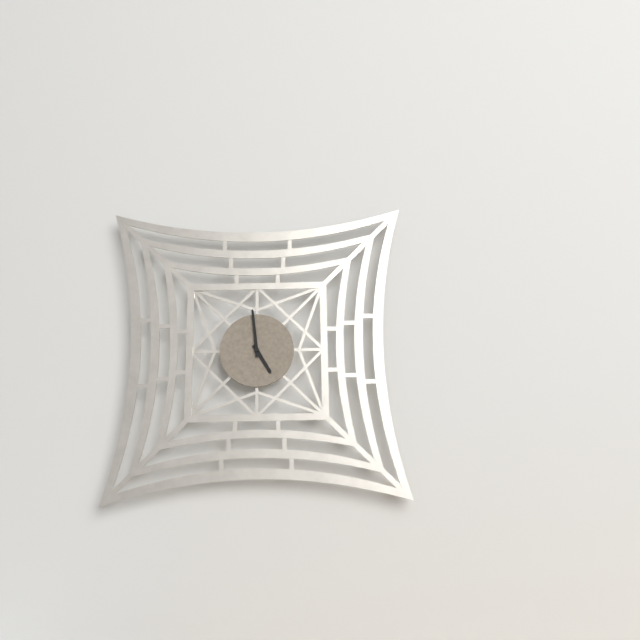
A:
4,59
